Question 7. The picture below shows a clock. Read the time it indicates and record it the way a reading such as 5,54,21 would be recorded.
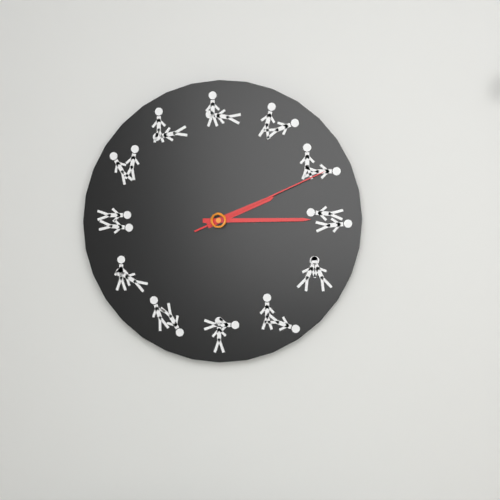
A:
2,15,11
